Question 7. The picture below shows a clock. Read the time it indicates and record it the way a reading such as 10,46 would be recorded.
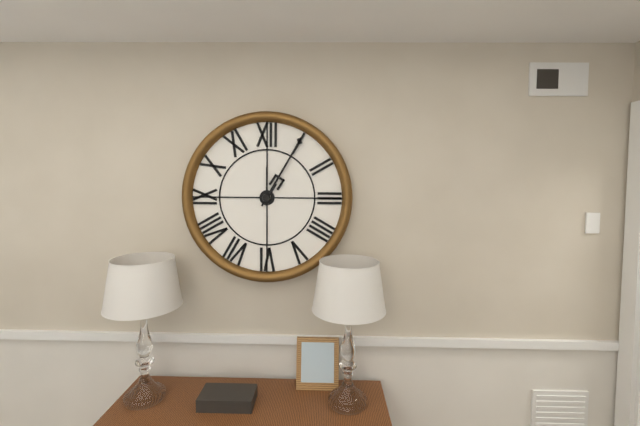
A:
1,05
